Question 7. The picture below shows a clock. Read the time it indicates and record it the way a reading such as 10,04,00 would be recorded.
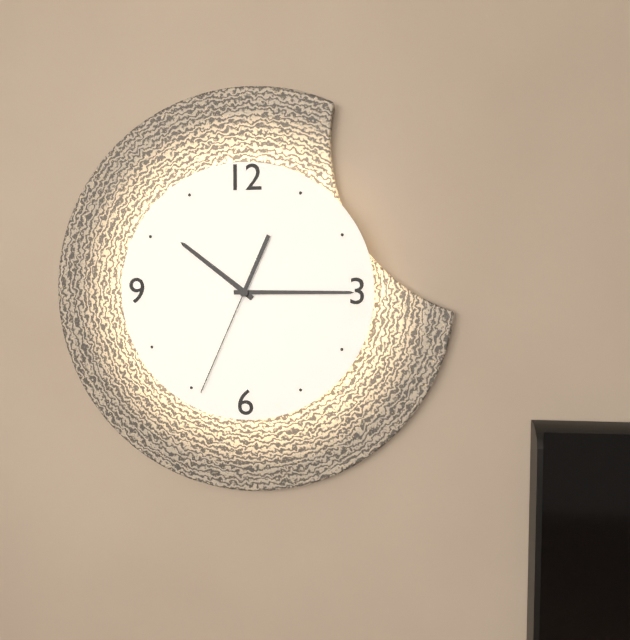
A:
10,15,34
